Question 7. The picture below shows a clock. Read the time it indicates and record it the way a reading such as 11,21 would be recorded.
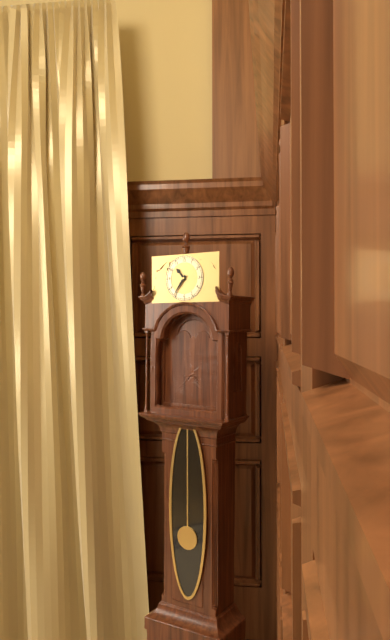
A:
10,36
